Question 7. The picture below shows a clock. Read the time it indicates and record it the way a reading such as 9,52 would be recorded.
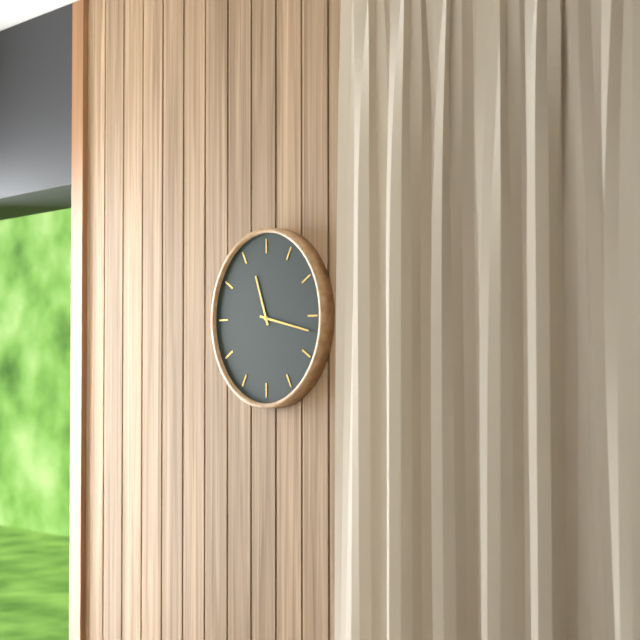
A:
11,17
